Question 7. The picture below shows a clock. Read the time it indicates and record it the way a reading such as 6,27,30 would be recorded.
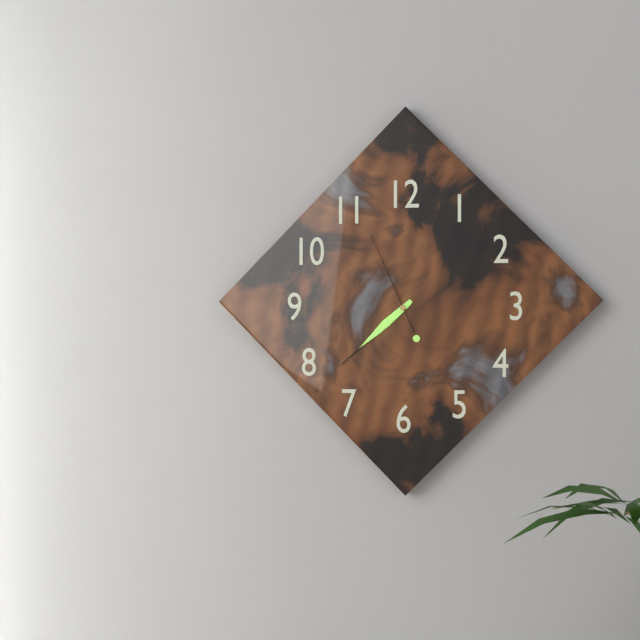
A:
7,38,56
